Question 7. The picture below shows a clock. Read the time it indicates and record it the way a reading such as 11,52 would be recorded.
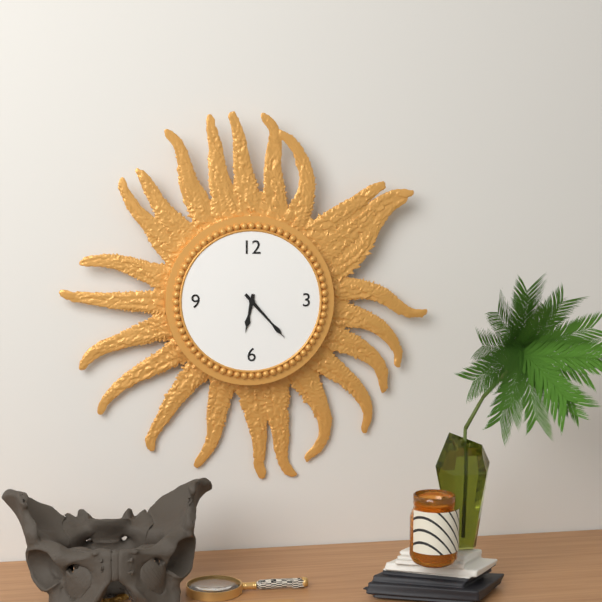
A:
6,23
